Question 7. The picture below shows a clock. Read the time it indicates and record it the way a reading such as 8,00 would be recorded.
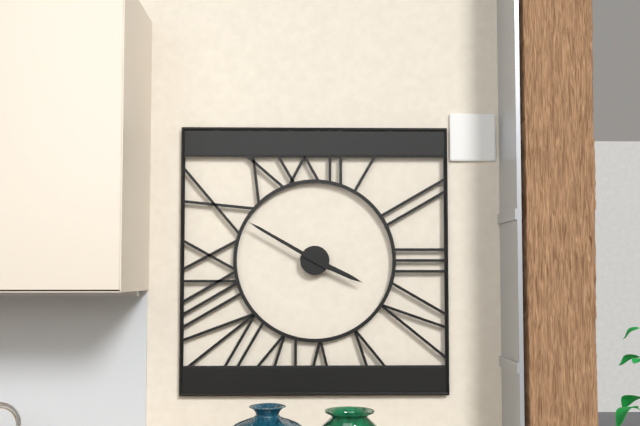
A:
3,50
